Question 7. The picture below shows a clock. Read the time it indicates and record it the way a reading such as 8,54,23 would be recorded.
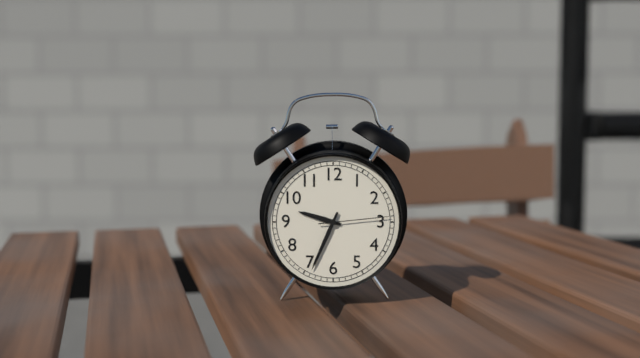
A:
9,34,14
